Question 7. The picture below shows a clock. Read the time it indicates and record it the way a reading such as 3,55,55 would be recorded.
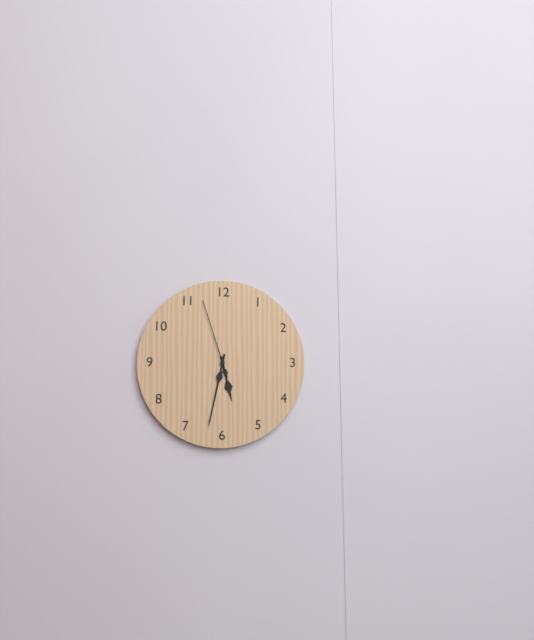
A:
5,32,57
